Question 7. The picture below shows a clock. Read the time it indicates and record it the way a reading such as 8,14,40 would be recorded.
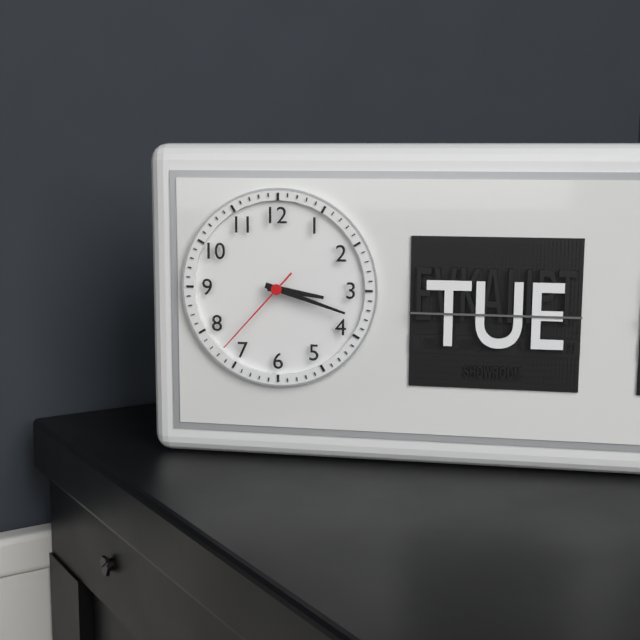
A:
3,18,37
